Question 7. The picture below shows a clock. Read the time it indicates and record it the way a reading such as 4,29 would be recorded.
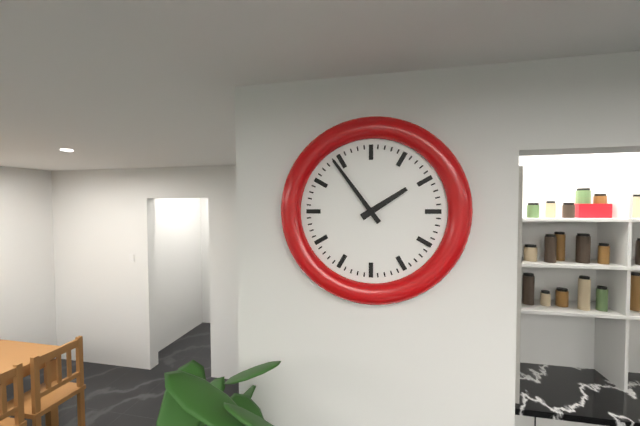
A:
1,54
